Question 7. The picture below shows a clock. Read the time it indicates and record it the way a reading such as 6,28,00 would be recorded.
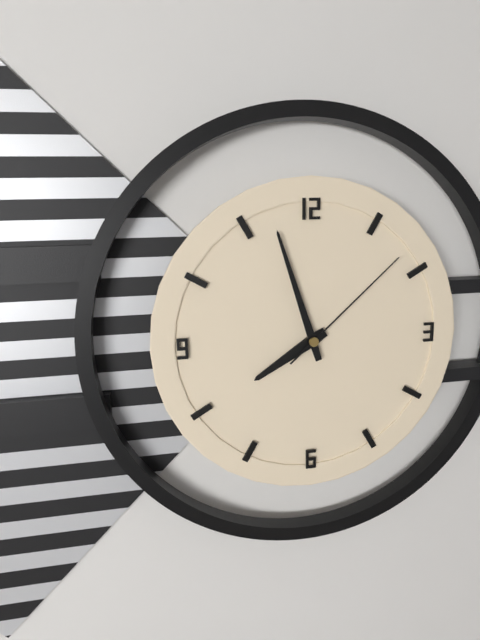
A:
7,57,08
